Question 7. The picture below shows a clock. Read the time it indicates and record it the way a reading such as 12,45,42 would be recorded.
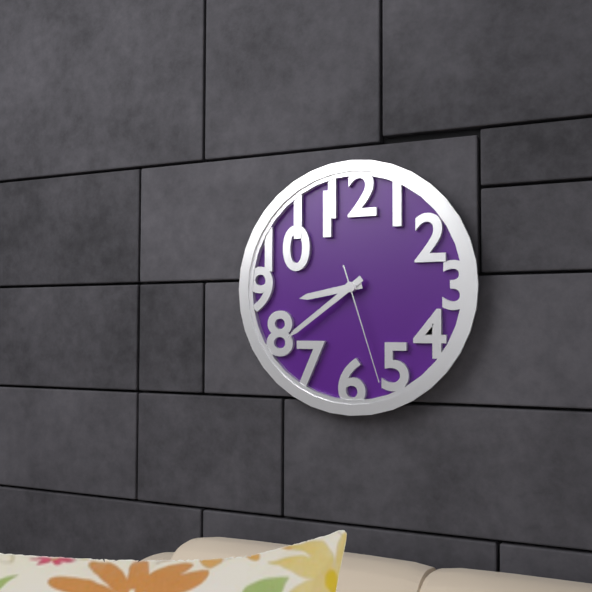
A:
8,39,27
